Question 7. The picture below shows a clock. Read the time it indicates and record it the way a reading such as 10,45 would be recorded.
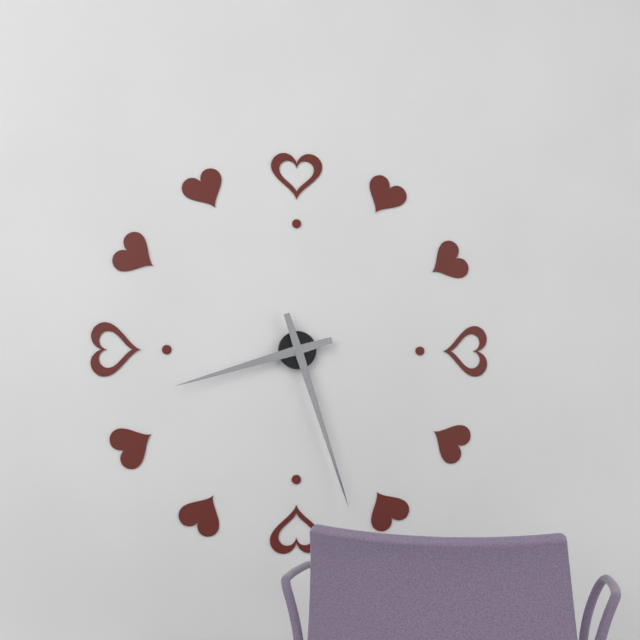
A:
8,27
